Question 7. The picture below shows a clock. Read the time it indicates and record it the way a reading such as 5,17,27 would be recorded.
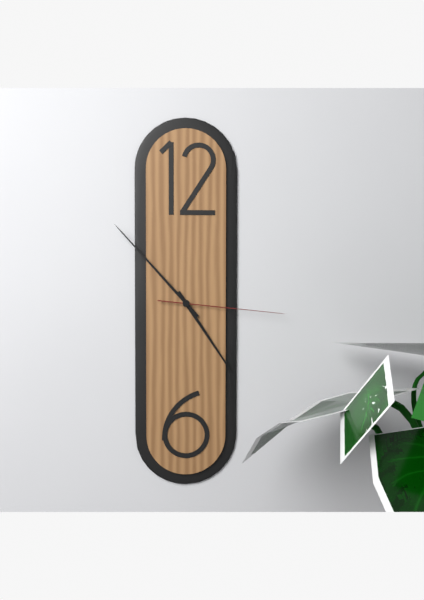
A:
4,53,16
